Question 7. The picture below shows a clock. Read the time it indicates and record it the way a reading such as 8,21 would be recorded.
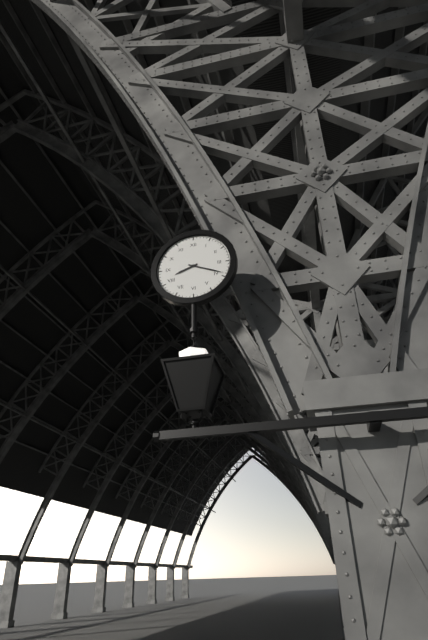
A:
8,19
